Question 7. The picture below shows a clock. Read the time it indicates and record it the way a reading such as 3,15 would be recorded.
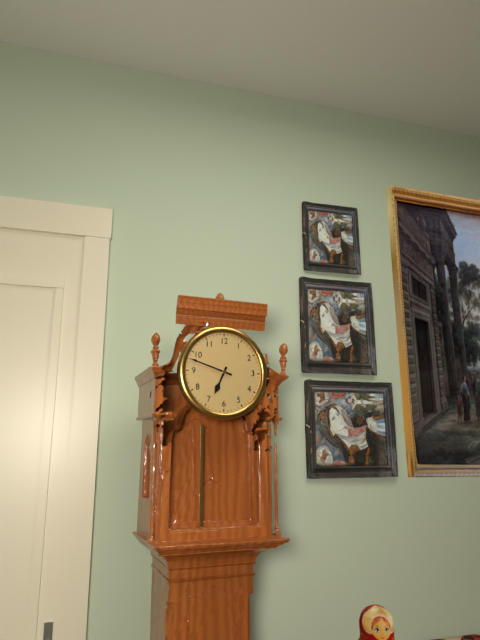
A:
6,48
